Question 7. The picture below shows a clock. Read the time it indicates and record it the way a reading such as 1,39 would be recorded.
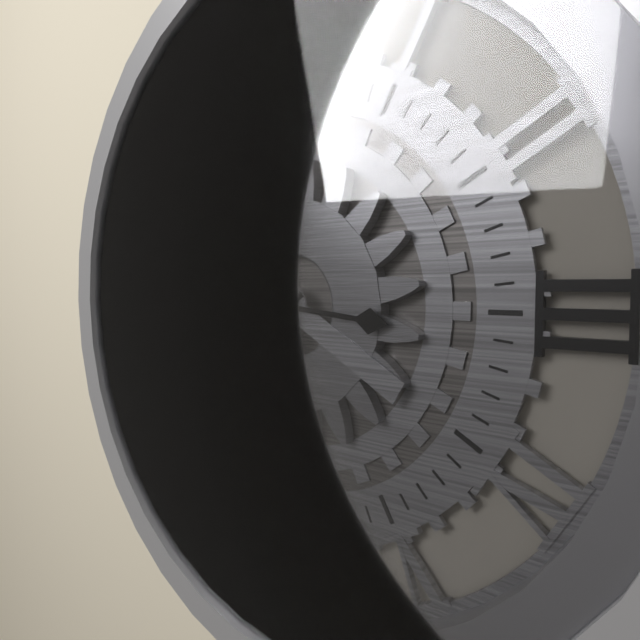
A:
7,46
